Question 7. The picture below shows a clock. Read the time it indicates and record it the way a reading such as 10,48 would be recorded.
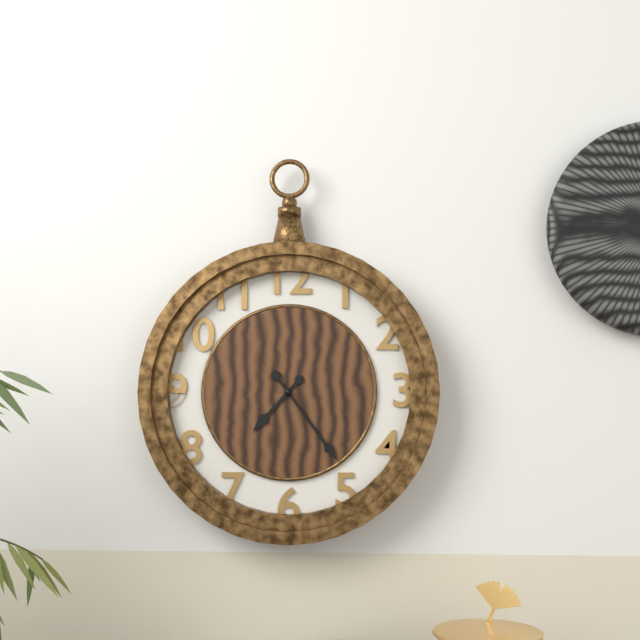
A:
7,24
